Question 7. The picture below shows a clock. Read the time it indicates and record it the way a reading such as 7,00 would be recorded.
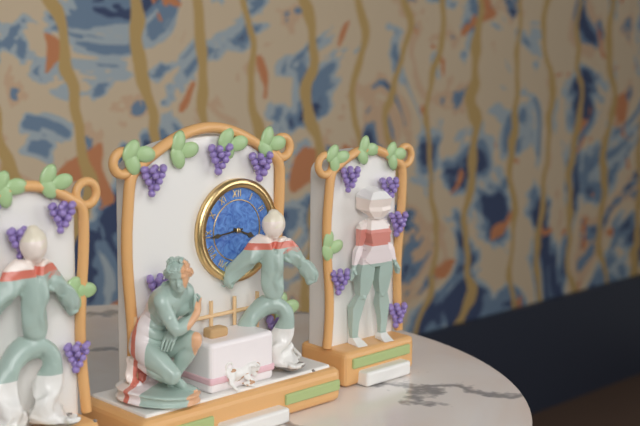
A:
3,44
